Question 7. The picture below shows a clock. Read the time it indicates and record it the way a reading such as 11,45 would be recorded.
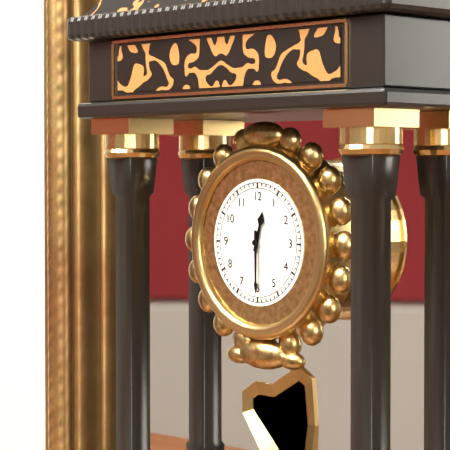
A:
12,30
